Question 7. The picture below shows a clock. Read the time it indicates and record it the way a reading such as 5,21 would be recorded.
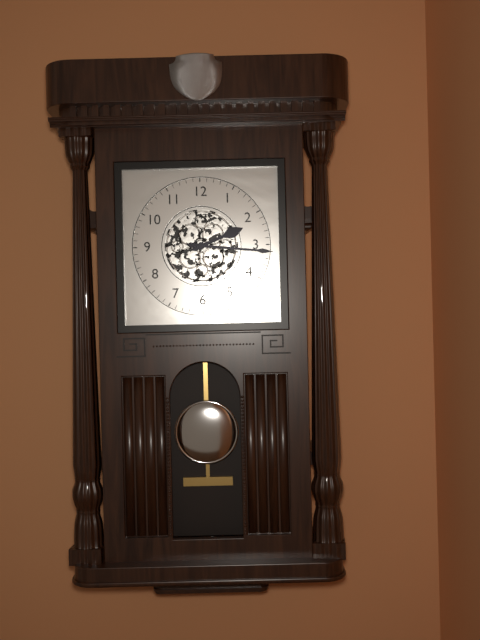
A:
2,16
